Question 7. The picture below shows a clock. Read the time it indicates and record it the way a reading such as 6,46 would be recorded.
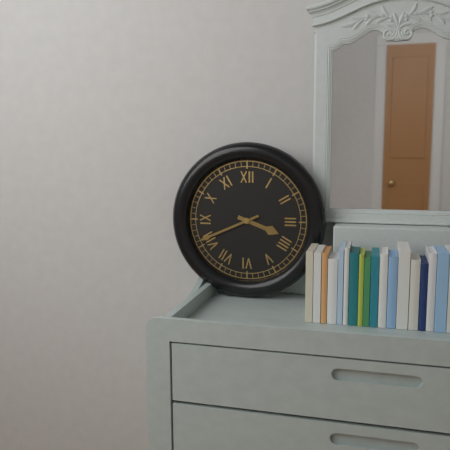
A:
3,41
